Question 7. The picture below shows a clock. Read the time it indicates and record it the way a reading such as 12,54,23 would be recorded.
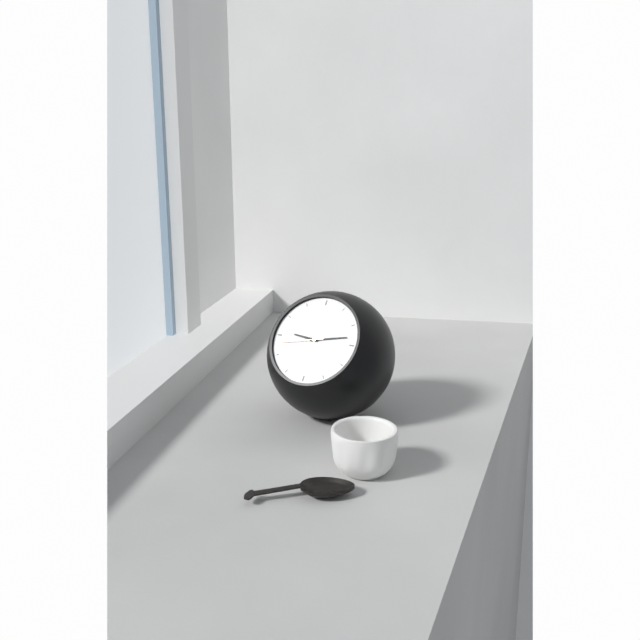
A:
9,13,43
